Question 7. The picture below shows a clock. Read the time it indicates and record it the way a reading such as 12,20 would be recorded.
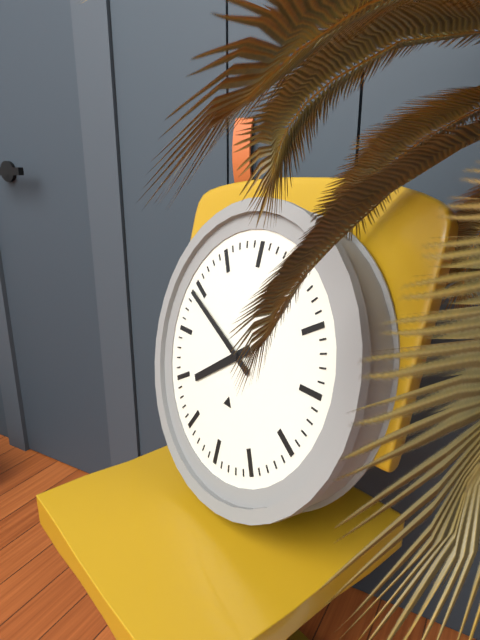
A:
7,49
